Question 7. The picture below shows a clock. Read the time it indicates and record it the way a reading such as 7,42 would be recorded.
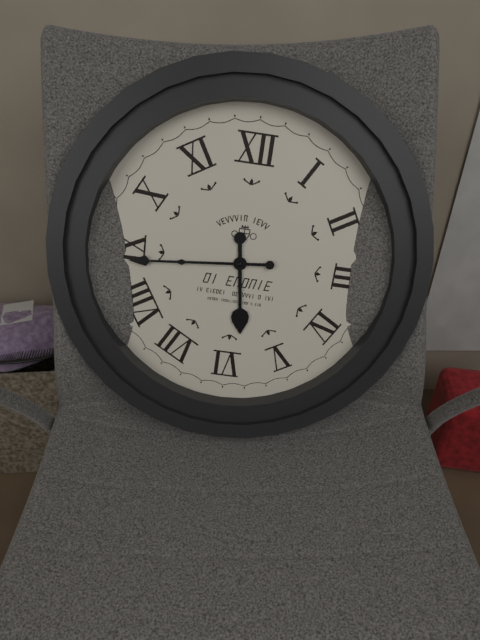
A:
5,44
